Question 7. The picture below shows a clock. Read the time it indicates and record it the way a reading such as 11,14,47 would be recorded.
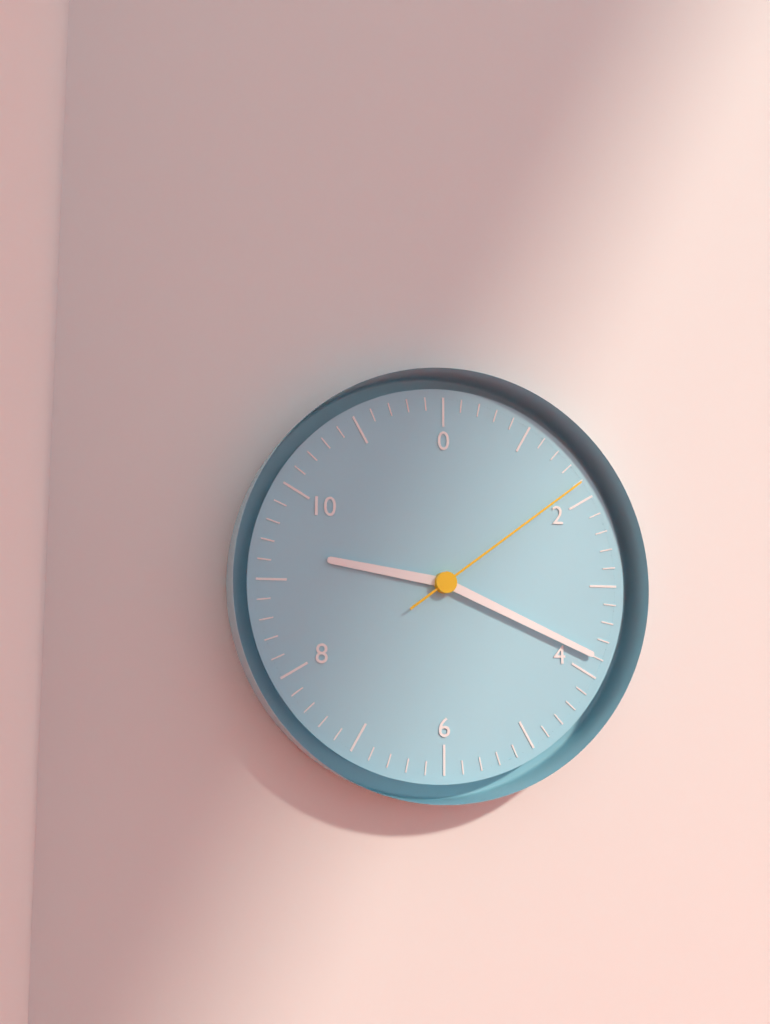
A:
9,19,09
